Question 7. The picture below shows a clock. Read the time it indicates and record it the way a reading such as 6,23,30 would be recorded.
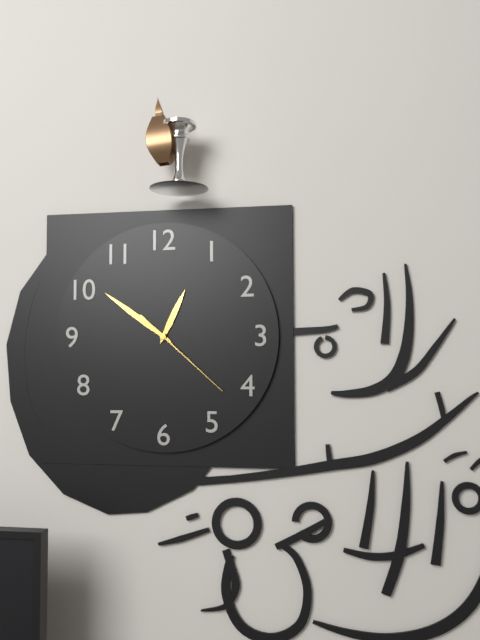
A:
12,51,22
